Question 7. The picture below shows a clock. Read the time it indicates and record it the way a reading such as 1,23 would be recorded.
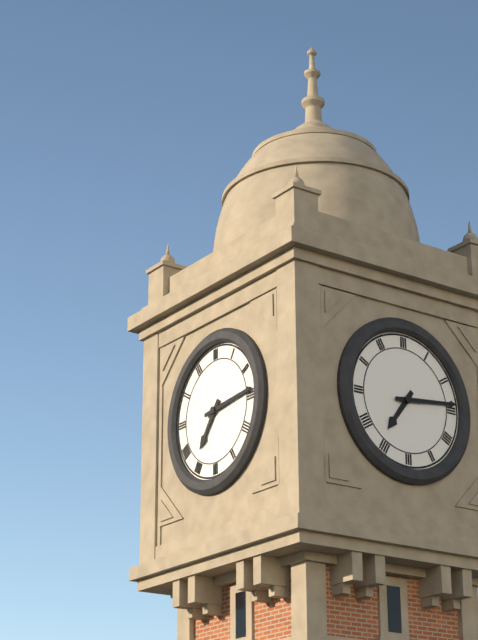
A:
7,14
